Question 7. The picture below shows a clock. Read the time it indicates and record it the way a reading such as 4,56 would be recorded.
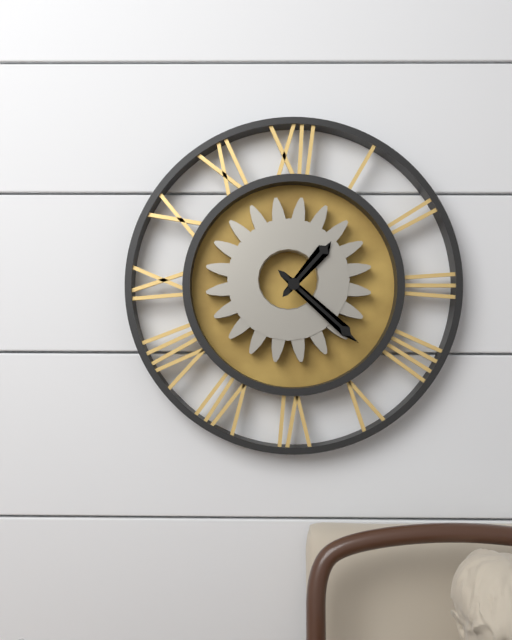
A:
1,22
